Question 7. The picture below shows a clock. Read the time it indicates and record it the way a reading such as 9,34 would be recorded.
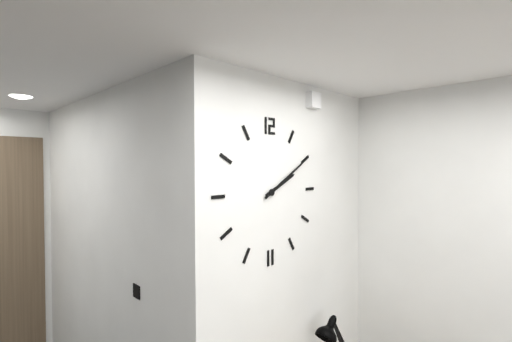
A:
2,10
